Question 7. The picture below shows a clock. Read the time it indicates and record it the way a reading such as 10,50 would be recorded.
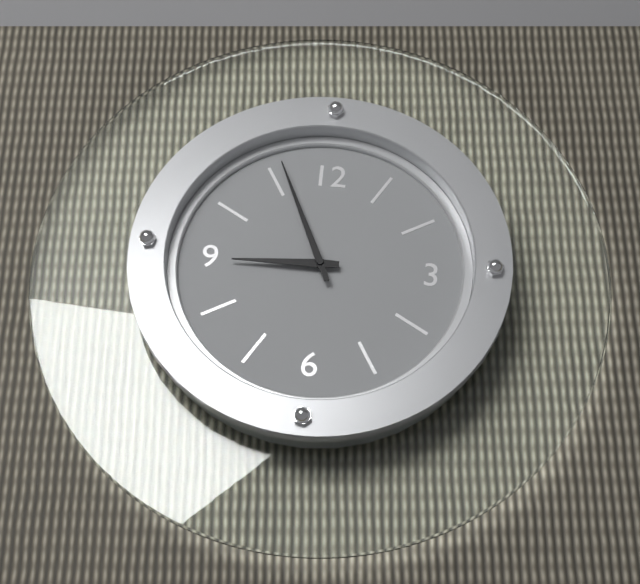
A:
8,56
